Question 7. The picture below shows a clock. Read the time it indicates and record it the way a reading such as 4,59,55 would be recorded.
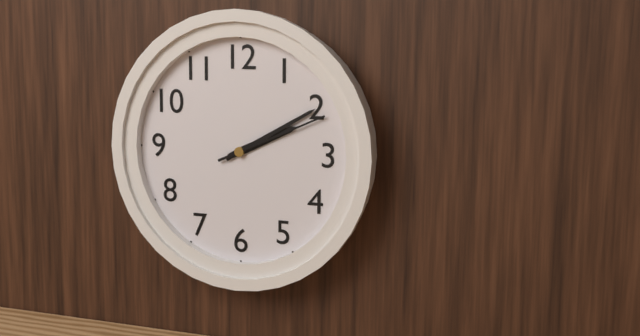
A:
2,10,11
